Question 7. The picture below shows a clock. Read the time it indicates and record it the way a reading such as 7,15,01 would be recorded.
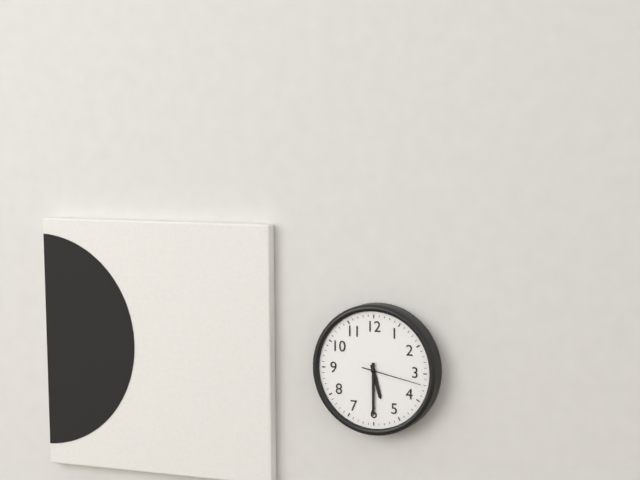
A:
5,30,17
